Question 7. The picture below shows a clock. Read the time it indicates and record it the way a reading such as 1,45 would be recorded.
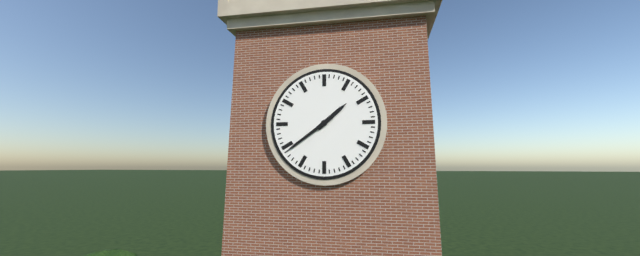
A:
1,39
